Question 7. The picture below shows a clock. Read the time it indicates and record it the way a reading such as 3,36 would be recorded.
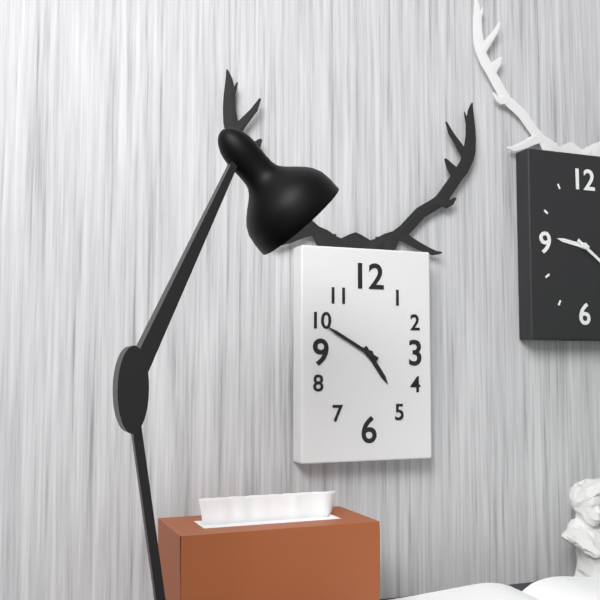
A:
4,50
